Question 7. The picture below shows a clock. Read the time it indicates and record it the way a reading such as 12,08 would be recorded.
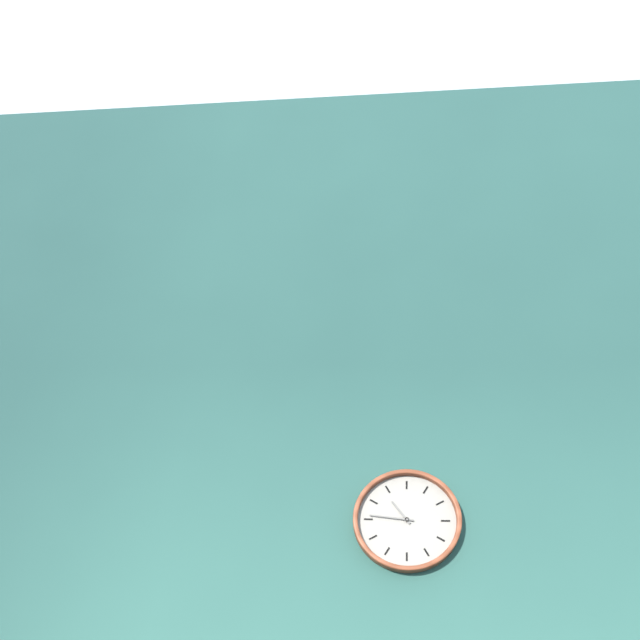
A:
10,46
